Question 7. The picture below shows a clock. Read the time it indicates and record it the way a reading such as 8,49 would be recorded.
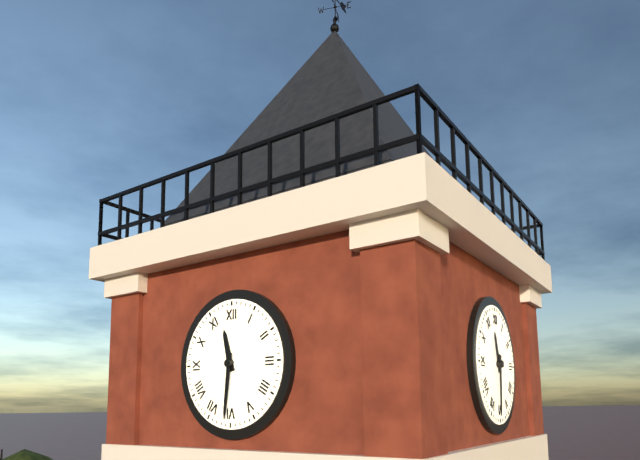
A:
11,31
